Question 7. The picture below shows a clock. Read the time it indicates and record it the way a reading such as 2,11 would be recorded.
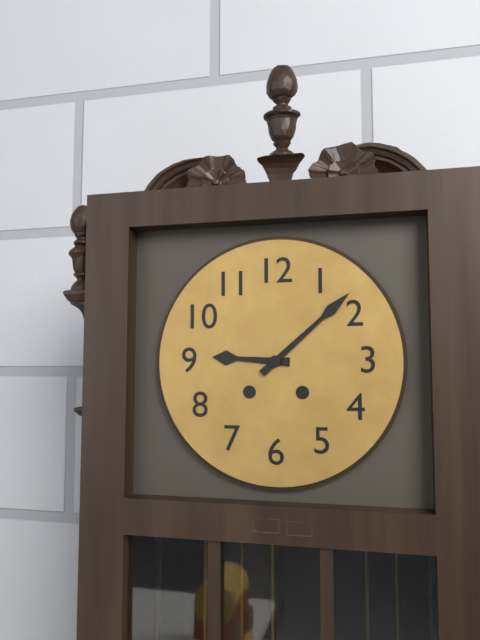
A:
9,08
